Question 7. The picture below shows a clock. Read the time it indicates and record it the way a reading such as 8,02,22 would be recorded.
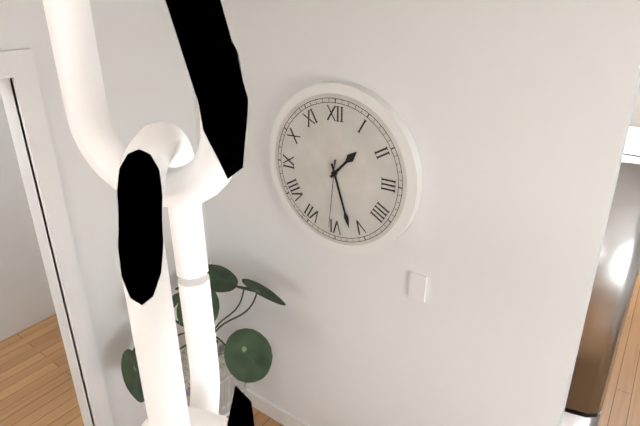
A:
1,27,31
